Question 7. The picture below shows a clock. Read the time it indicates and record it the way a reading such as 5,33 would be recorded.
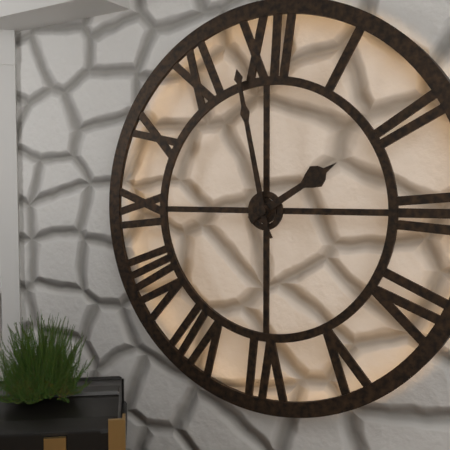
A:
1,58
